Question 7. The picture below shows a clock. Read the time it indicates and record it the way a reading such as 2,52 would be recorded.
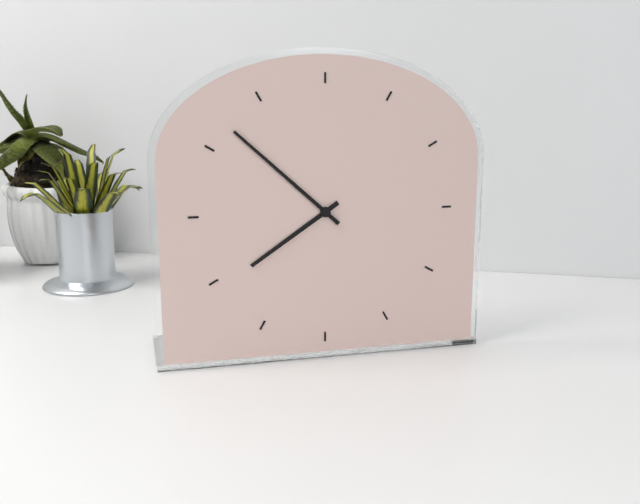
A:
7,52
